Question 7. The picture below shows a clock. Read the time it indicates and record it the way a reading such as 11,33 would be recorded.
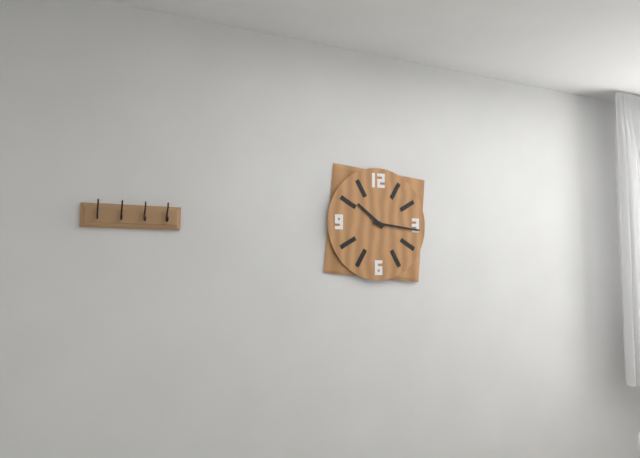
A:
10,16
